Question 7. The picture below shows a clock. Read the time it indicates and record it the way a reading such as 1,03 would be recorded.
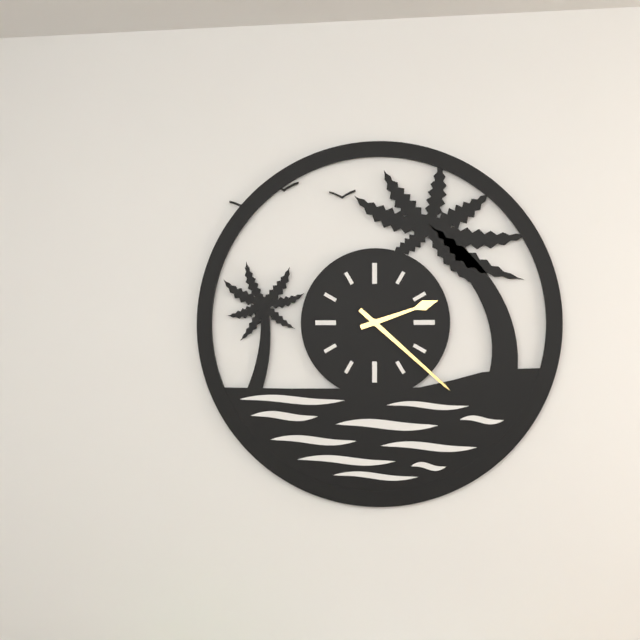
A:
2,22
